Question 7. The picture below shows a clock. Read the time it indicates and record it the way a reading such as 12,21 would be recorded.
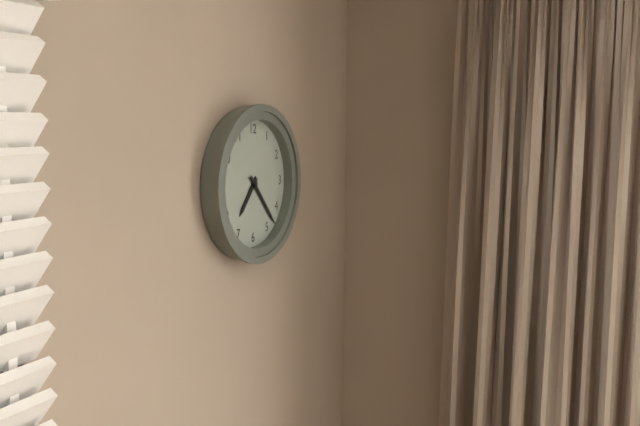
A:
7,23
